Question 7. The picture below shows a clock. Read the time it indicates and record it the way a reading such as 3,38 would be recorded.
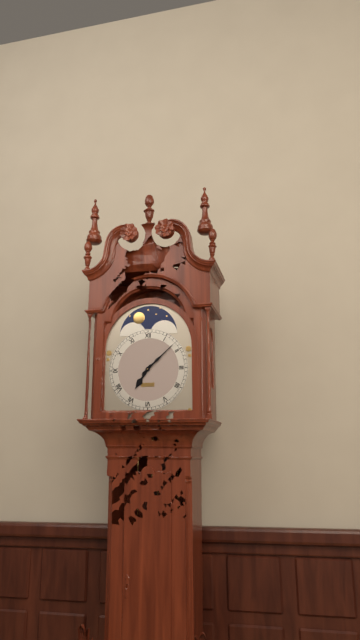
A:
7,08
